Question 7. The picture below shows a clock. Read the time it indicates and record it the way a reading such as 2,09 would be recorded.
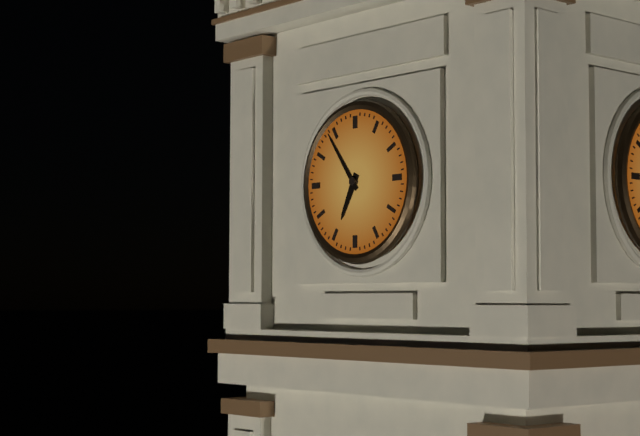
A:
6,54
